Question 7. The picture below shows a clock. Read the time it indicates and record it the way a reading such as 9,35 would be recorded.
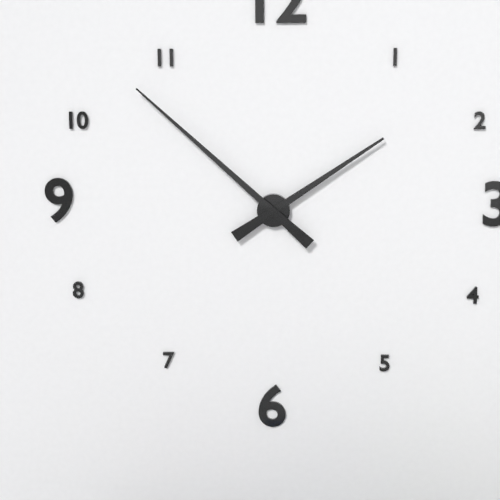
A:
1,52
